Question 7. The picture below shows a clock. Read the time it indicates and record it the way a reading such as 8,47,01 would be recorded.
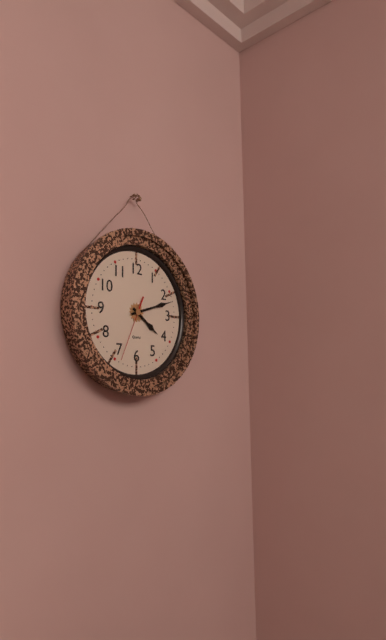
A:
4,12,34
